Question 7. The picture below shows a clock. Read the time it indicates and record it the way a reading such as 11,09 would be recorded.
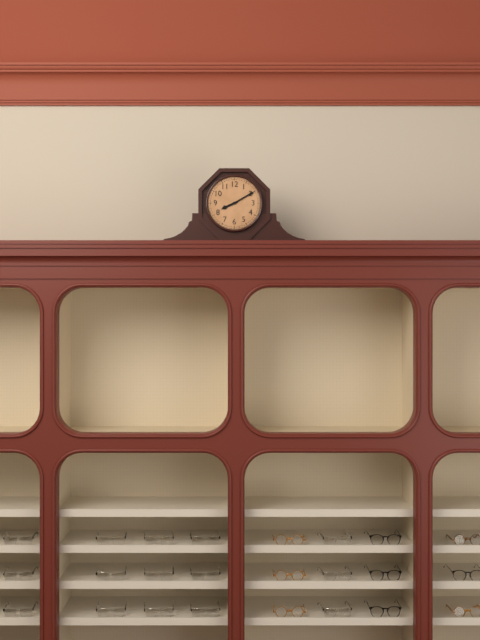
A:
8,10
